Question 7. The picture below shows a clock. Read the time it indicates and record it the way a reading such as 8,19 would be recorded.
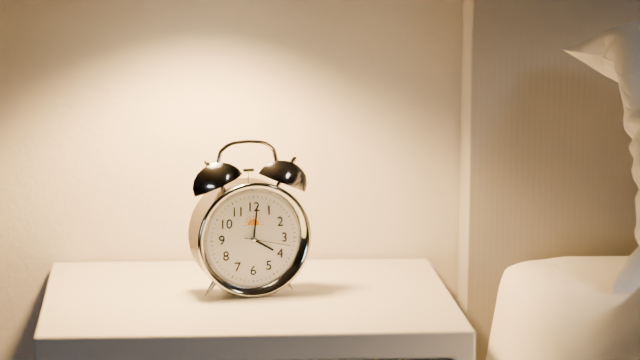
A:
4,01
